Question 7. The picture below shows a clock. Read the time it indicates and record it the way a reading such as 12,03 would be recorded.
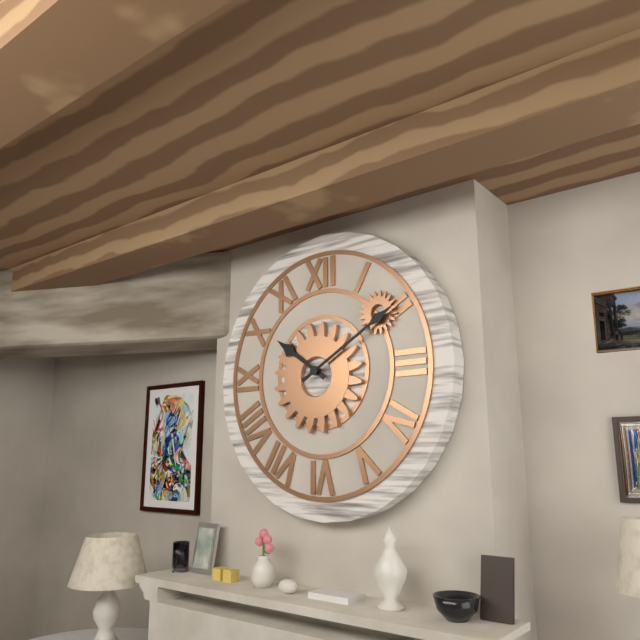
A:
10,10
